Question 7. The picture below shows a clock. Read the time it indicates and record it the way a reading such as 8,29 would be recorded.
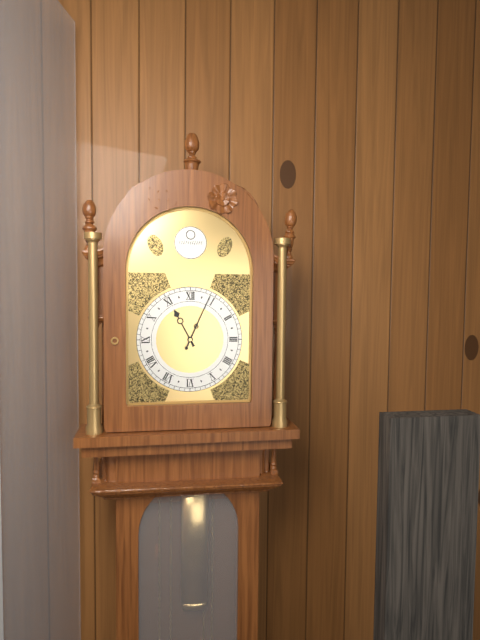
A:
11,04
